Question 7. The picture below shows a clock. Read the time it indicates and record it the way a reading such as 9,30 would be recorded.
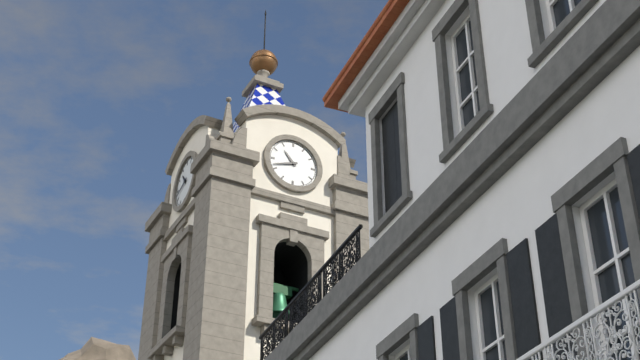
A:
10,42
